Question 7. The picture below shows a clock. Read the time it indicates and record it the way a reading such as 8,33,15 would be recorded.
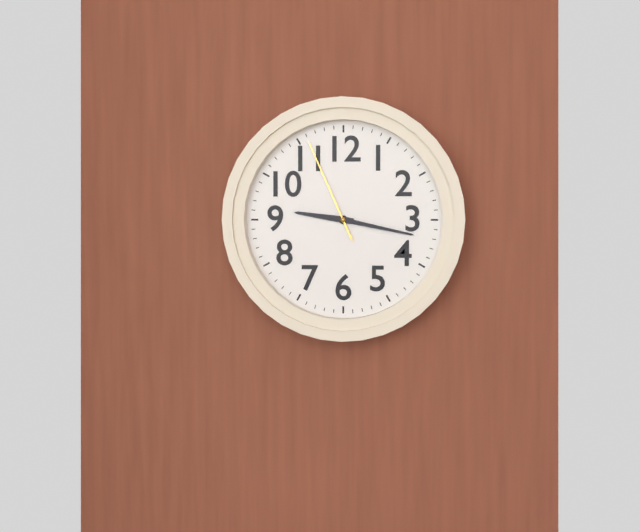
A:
9,17,56
